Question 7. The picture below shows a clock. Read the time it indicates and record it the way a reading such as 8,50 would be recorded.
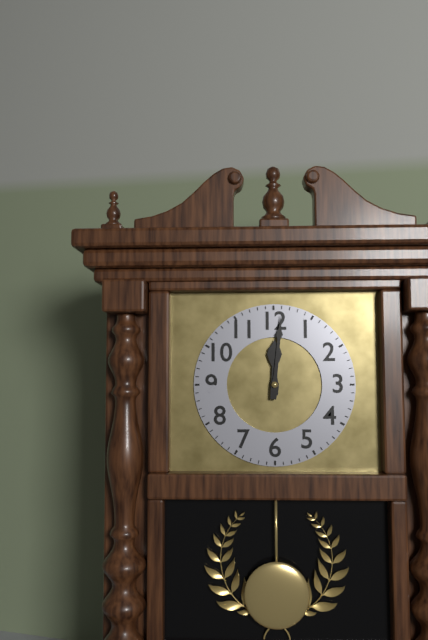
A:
12,01
